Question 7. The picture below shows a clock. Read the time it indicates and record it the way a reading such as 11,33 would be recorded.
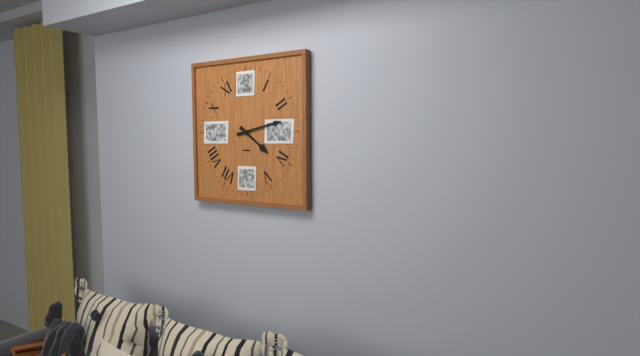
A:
4,13
